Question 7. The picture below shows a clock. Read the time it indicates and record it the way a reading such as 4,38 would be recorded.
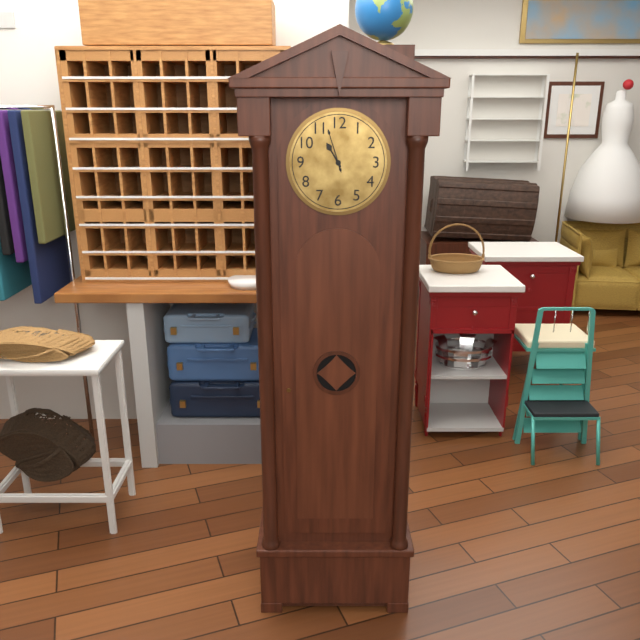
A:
10,57
